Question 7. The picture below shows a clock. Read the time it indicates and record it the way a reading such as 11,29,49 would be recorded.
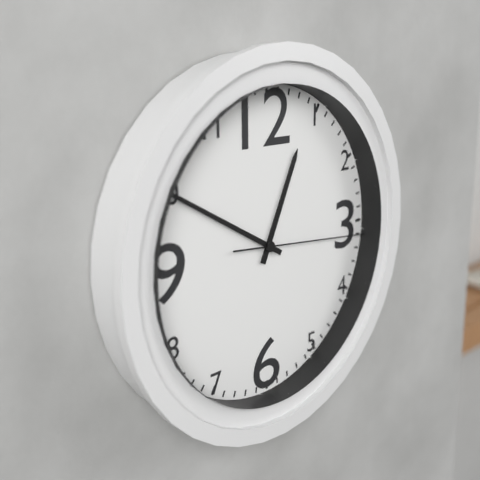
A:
12,50,16
